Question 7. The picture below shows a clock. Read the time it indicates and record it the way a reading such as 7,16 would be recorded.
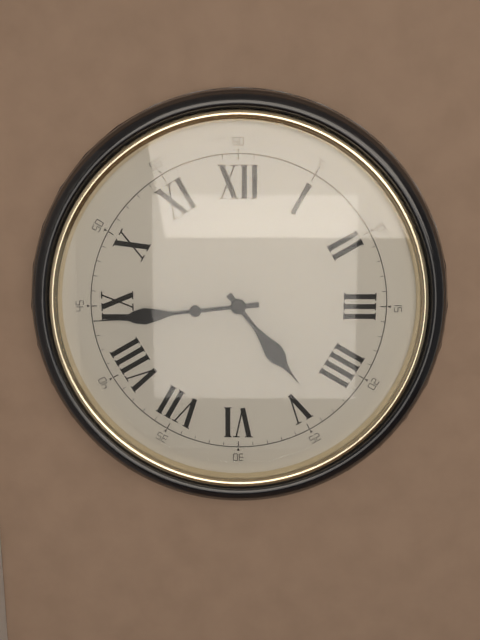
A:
4,44
